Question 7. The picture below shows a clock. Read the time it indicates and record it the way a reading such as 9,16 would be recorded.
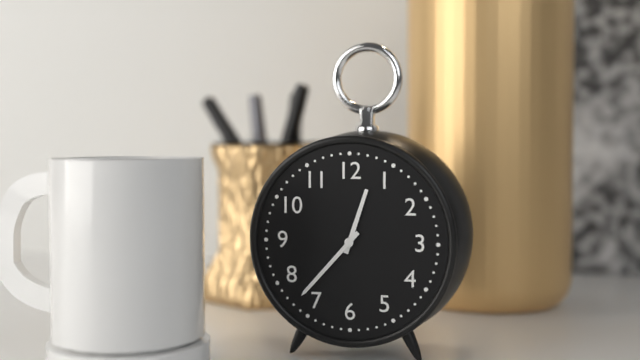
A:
12,37
